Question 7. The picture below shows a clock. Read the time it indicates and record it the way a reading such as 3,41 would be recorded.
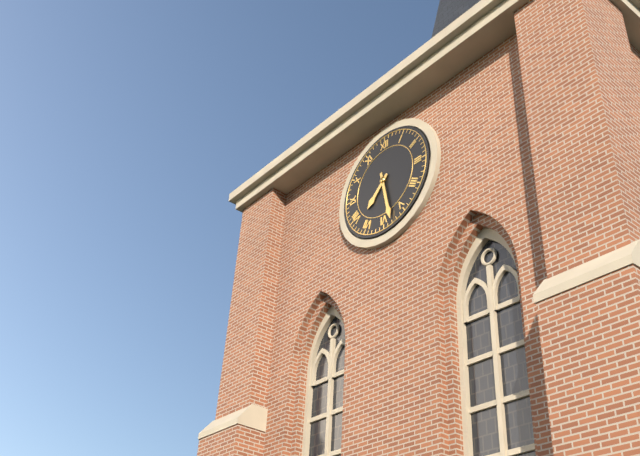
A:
7,28
